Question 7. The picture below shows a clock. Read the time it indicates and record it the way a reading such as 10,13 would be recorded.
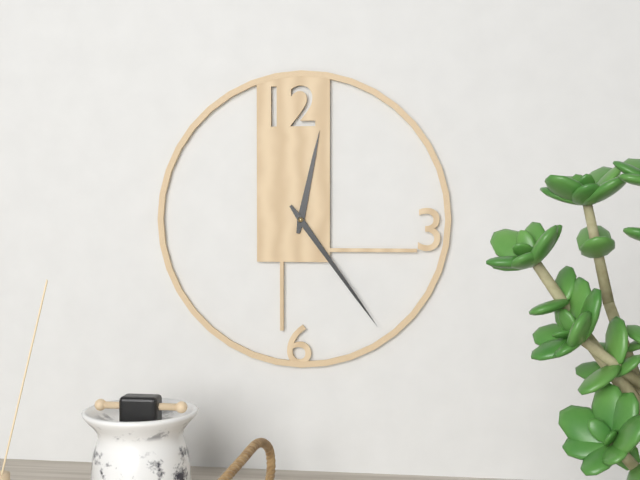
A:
12,24
